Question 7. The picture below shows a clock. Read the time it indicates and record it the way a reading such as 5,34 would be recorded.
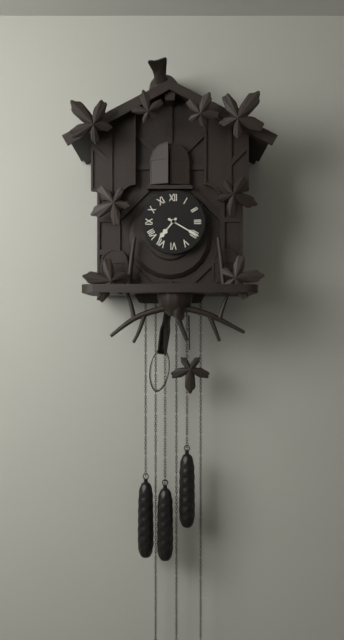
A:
7,20
